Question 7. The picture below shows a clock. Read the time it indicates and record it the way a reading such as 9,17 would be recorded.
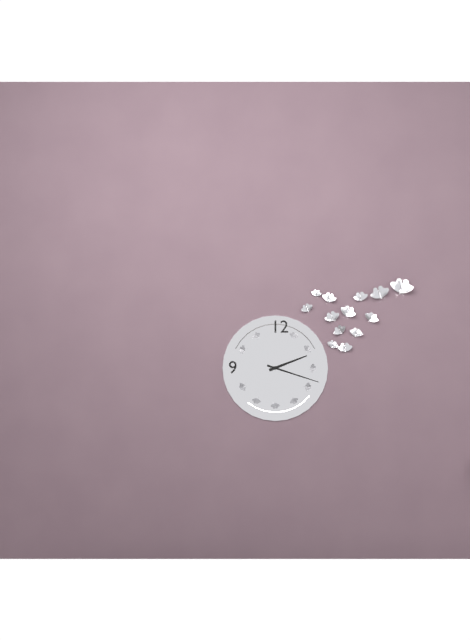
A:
2,18
